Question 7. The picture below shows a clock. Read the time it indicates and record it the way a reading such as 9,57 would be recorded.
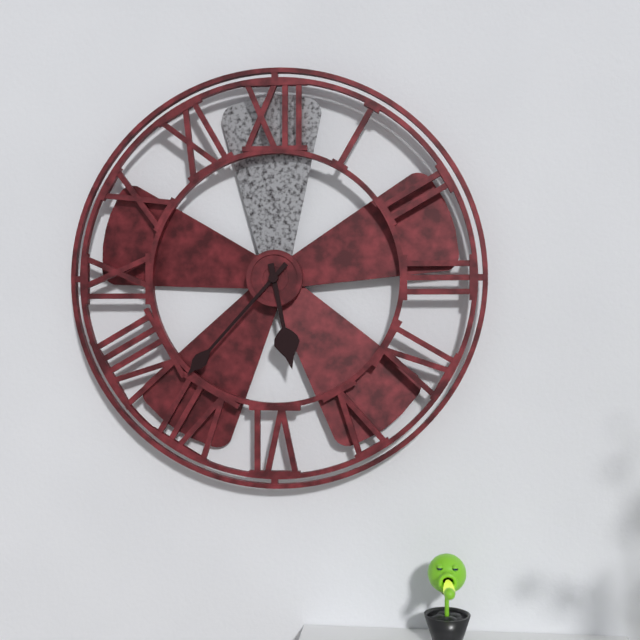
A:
5,37
